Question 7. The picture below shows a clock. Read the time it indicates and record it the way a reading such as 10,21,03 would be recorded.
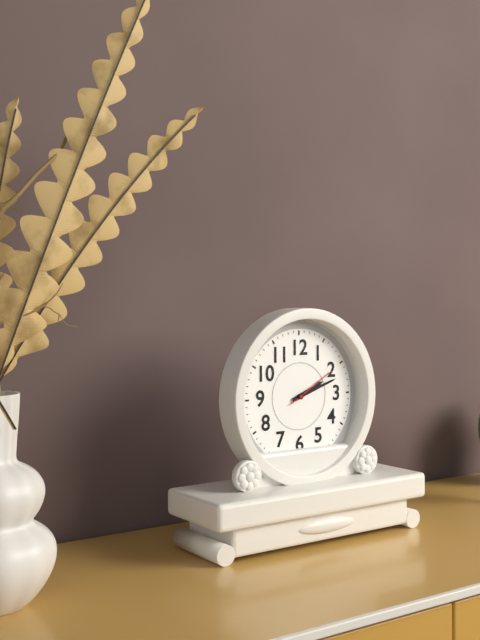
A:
2,12,10
